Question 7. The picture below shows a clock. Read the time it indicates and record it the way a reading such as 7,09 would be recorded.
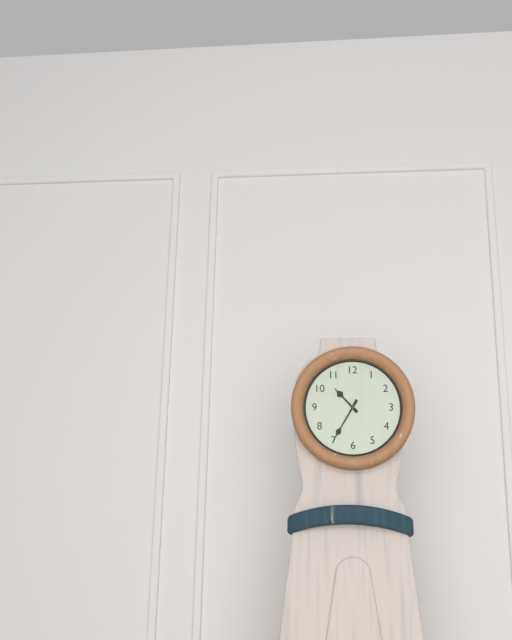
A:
10,35
